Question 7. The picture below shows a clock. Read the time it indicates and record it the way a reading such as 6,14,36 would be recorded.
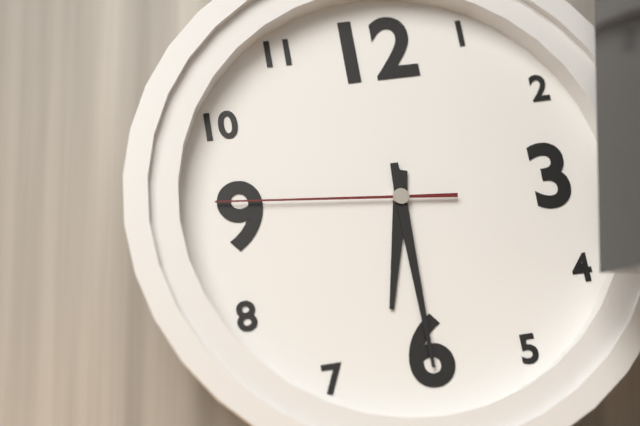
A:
6,30,46
